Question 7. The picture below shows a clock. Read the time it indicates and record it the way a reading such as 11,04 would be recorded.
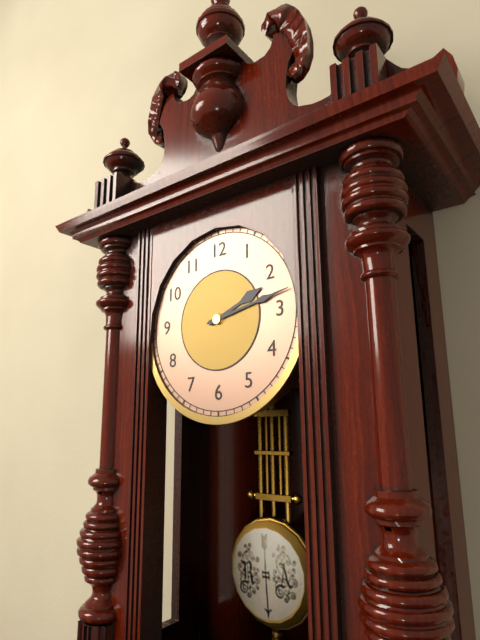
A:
2,13
